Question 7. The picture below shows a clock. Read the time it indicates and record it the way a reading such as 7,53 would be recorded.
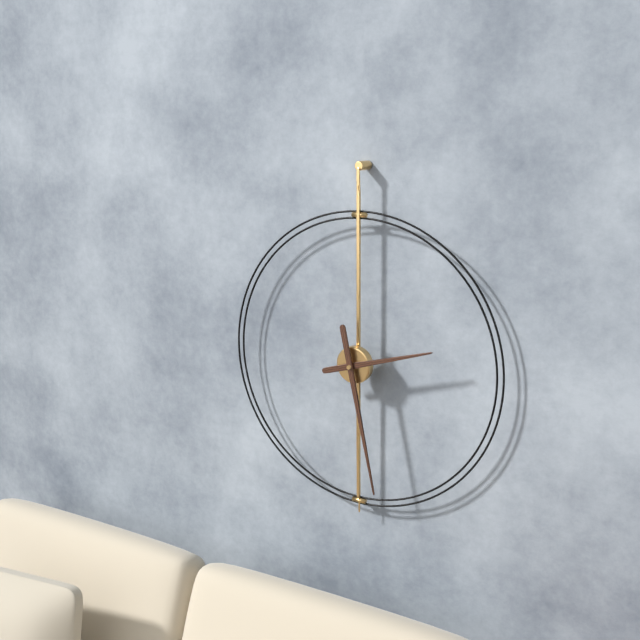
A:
2,28
